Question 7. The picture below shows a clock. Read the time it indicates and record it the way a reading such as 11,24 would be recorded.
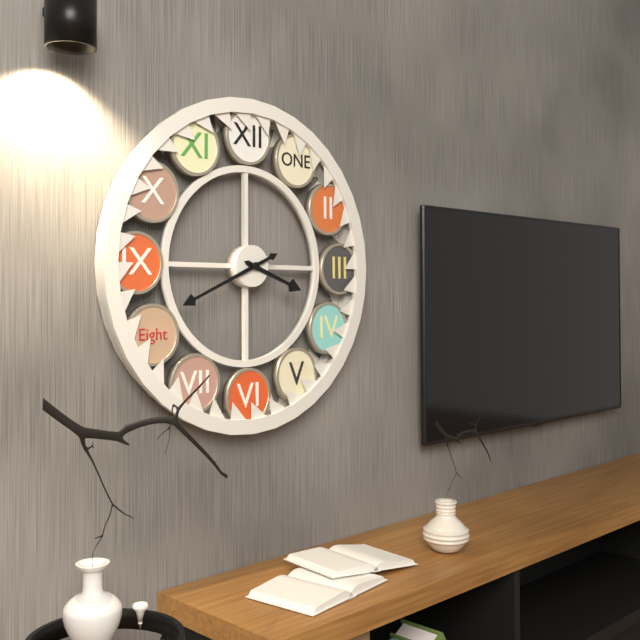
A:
3,41
